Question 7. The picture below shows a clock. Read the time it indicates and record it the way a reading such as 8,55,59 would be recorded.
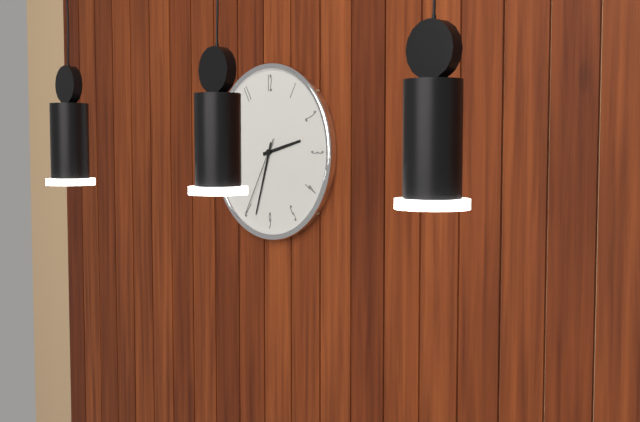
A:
2,33,35
